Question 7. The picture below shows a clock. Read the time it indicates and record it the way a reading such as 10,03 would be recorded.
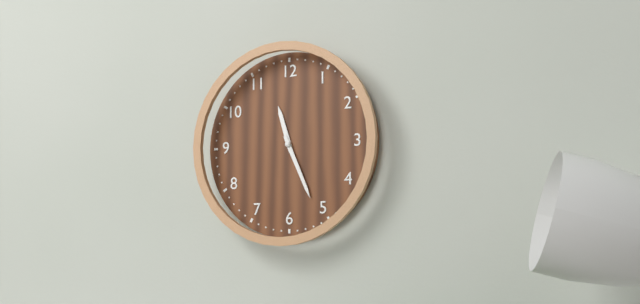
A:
11,26
